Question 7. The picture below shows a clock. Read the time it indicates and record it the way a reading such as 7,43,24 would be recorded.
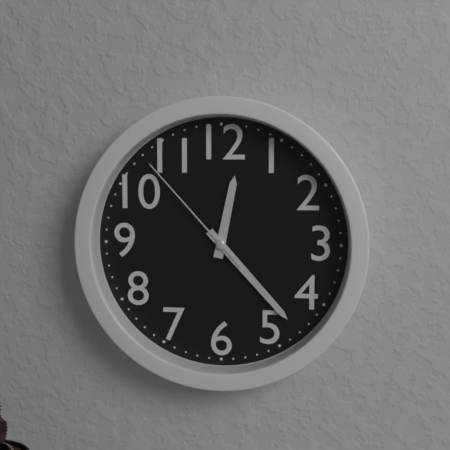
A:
12,23,53
